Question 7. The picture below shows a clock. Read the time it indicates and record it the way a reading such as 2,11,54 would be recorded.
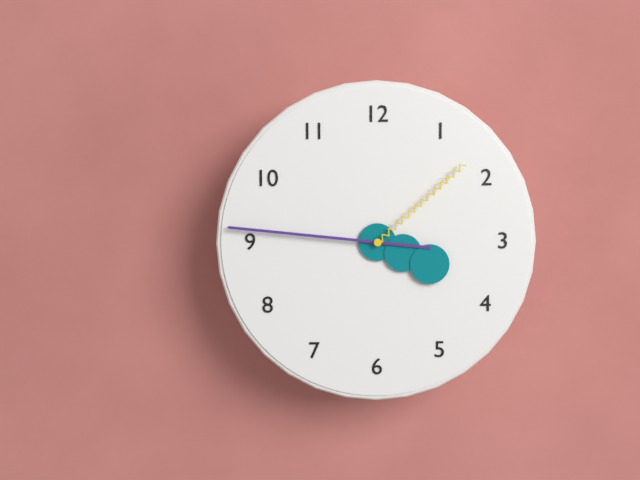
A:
3,46,08
